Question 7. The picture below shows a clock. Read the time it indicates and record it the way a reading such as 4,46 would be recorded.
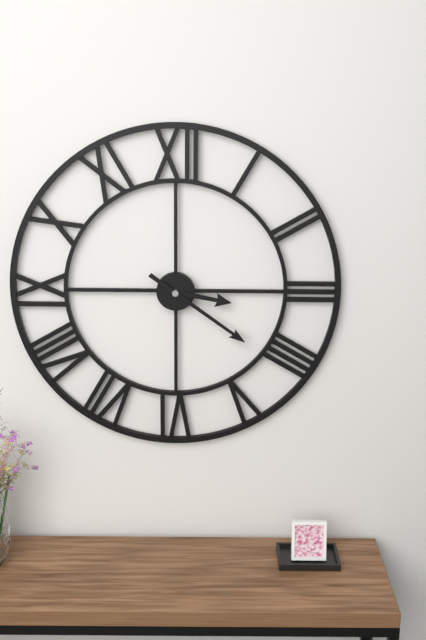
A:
3,21
